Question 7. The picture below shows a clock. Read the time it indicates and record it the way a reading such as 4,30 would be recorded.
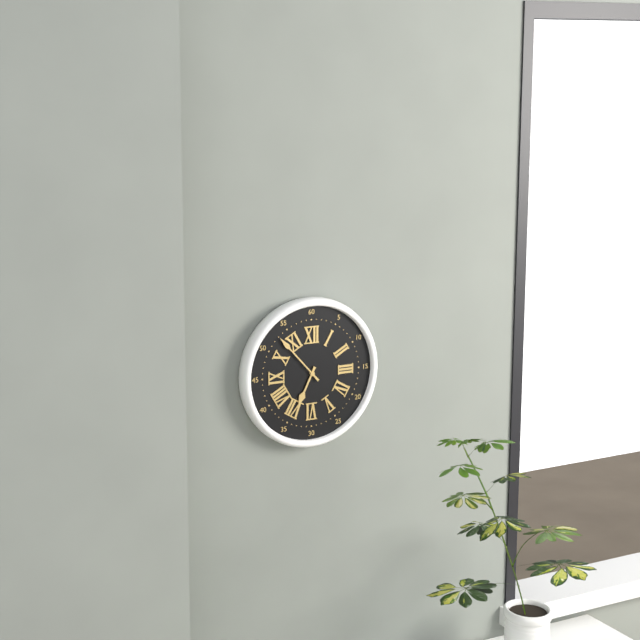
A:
6,53
